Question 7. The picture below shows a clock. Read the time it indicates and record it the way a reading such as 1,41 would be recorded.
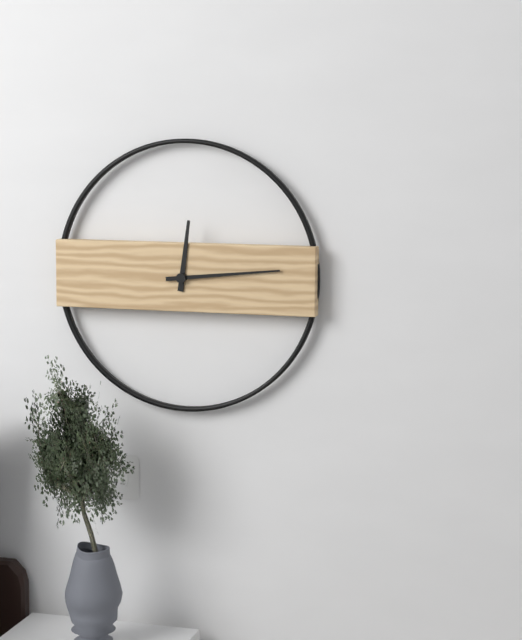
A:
12,14
